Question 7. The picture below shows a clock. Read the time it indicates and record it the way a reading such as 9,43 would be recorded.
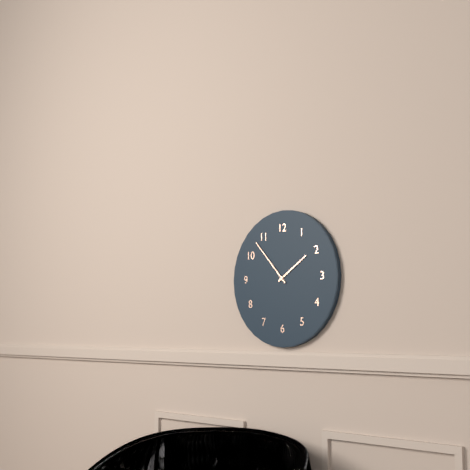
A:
1,53
